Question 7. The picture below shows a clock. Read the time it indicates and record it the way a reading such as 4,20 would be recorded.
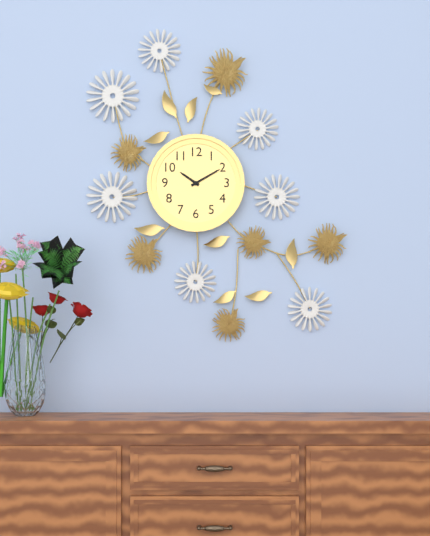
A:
10,10
